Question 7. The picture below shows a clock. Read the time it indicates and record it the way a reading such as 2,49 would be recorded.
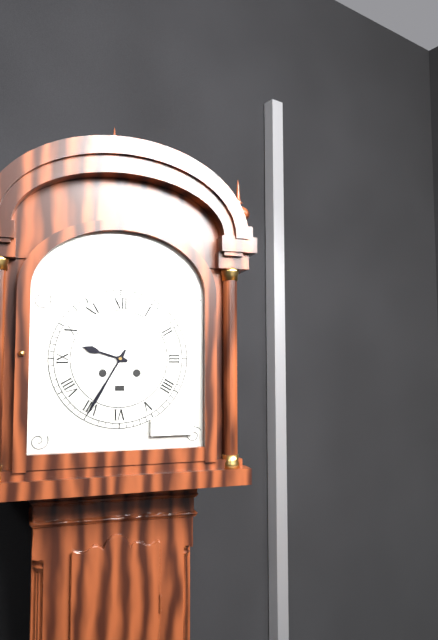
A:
9,35
